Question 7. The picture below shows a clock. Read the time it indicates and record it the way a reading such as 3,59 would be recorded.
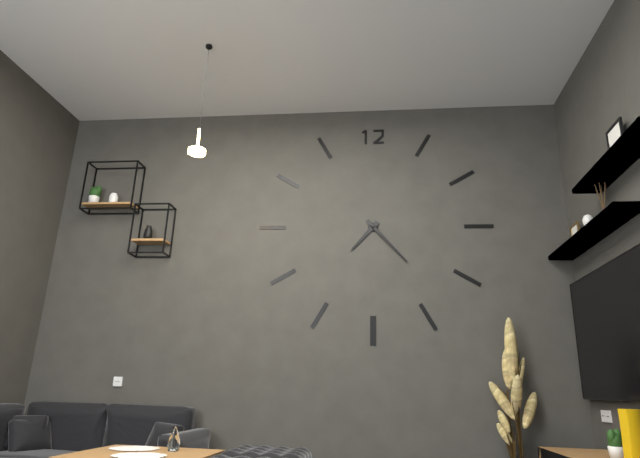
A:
7,23
